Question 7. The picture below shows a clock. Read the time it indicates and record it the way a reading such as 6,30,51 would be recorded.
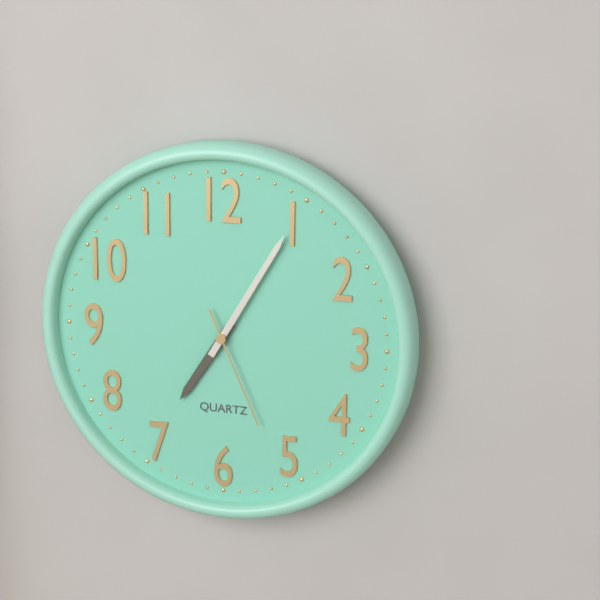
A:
7,05,26
